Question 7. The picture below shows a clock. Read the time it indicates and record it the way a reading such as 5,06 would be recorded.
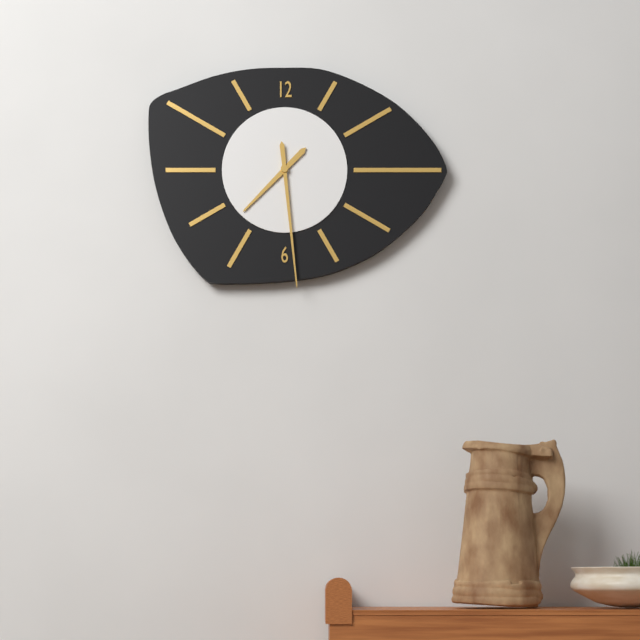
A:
7,29
